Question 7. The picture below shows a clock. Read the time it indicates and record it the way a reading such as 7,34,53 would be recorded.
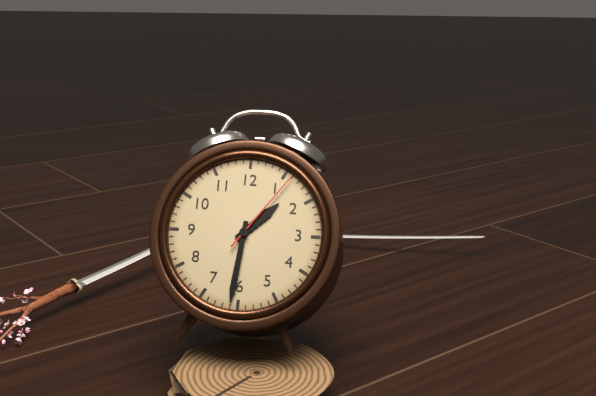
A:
1,31,06
